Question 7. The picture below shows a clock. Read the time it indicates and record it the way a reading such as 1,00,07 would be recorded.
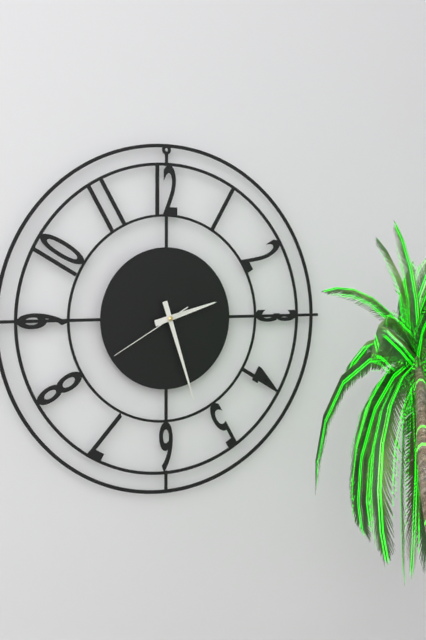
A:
2,27,40
